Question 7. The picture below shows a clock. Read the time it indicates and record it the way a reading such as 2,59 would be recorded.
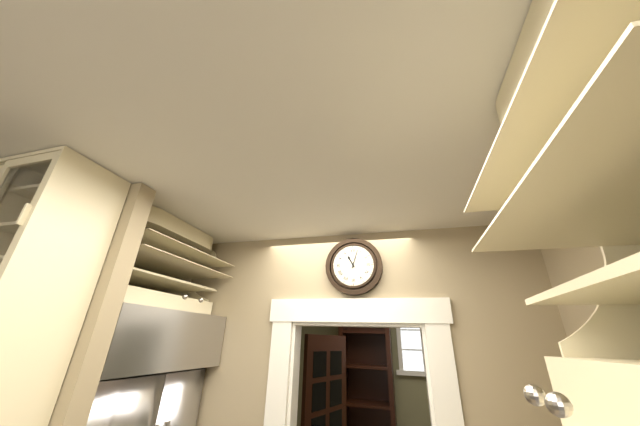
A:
11,03
